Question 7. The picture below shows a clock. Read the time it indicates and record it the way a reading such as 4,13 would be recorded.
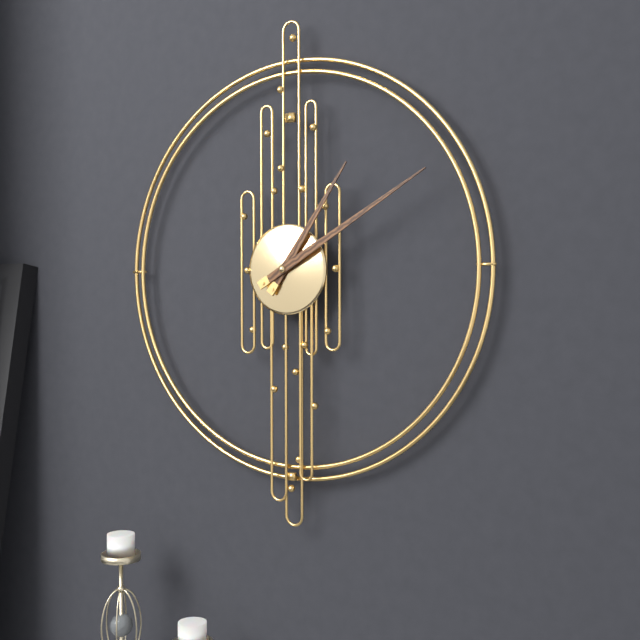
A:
1,10
